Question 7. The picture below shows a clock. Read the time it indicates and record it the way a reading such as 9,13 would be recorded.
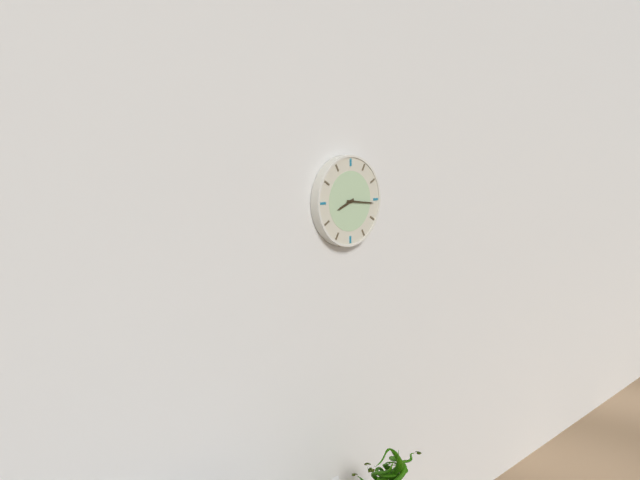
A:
8,16
